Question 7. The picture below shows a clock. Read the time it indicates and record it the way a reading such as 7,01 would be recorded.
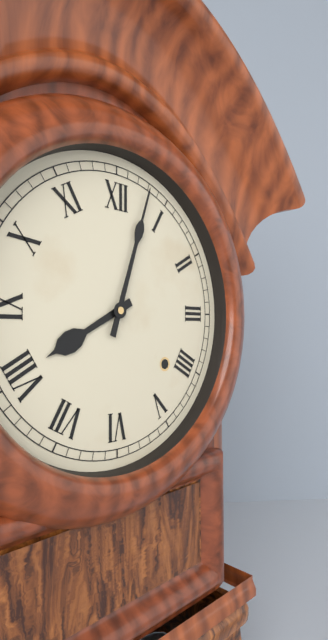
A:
8,03
